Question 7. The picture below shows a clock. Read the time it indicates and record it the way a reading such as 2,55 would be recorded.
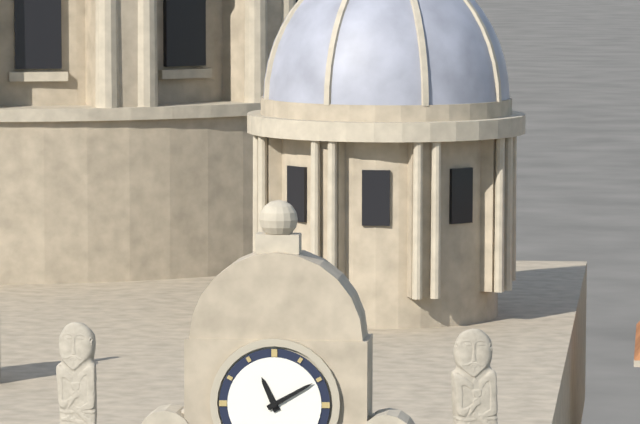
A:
11,10
